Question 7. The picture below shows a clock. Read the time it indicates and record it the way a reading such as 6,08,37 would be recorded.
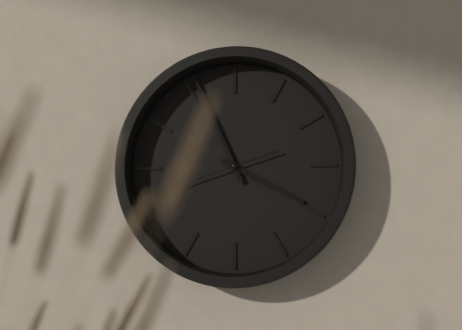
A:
3,56,42
